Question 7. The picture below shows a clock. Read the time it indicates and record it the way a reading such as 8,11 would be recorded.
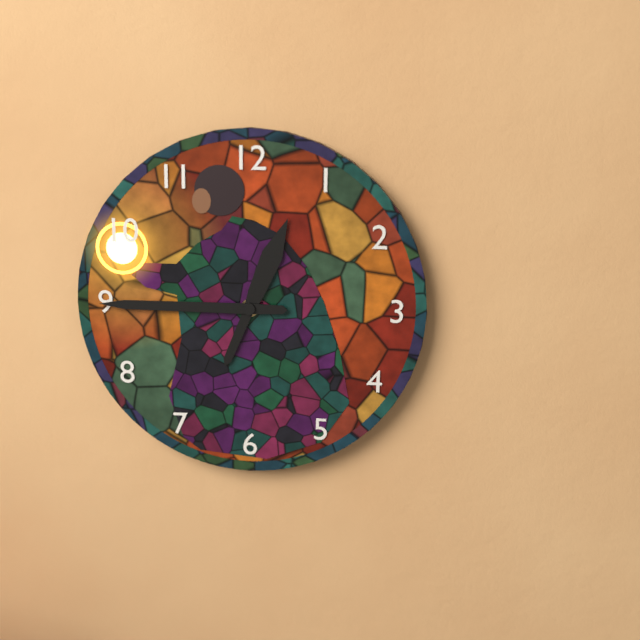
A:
12,45
